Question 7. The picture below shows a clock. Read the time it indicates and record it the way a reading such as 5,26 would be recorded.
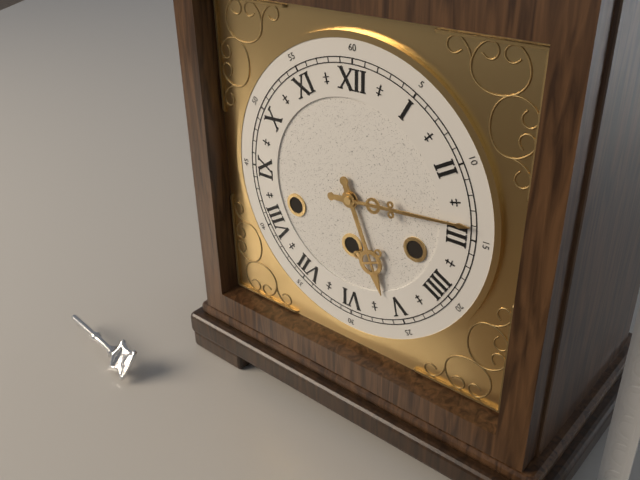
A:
5,14
